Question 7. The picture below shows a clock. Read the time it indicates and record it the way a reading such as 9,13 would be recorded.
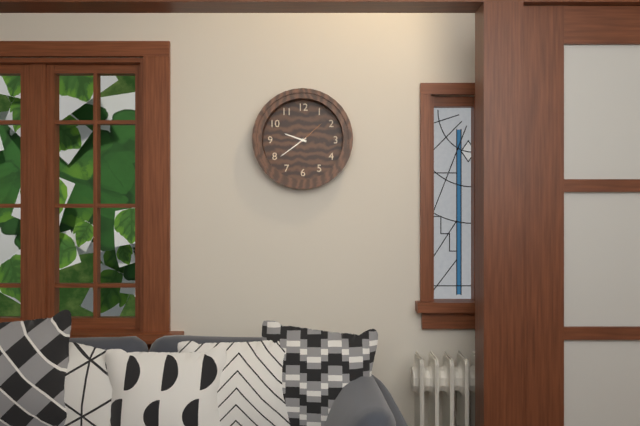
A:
9,39
